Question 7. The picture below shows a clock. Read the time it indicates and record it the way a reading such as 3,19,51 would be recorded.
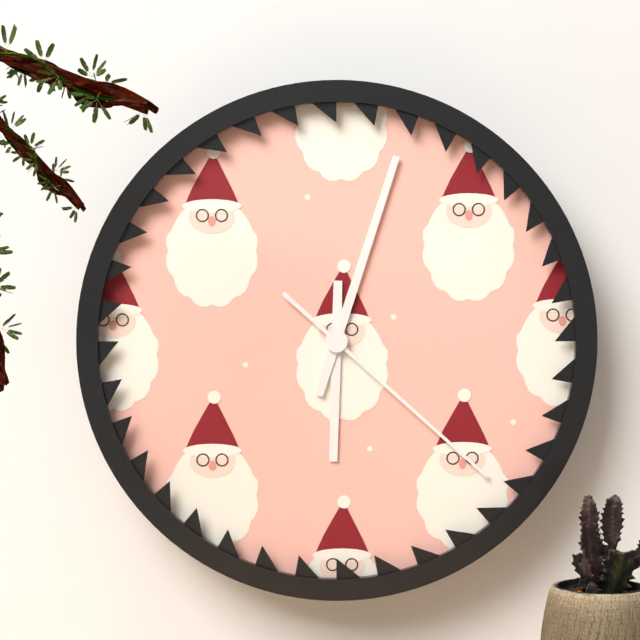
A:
6,03,22
